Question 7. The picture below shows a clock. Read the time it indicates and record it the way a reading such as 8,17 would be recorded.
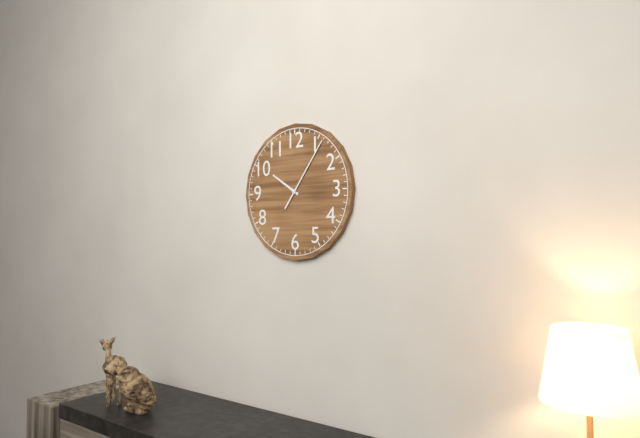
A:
10,06
